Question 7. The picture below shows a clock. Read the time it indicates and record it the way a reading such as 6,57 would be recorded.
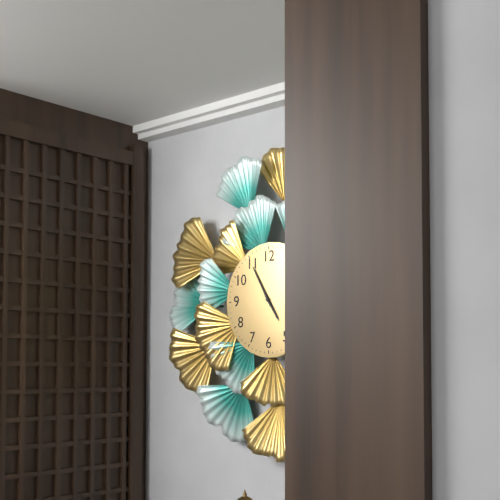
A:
4,55
